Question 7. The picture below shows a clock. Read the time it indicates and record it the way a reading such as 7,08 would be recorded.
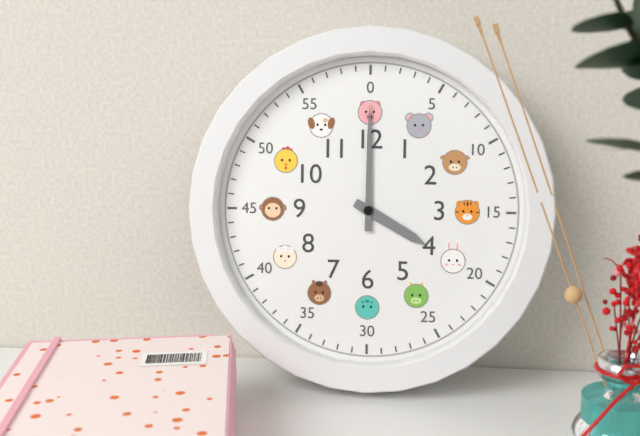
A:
4,00
